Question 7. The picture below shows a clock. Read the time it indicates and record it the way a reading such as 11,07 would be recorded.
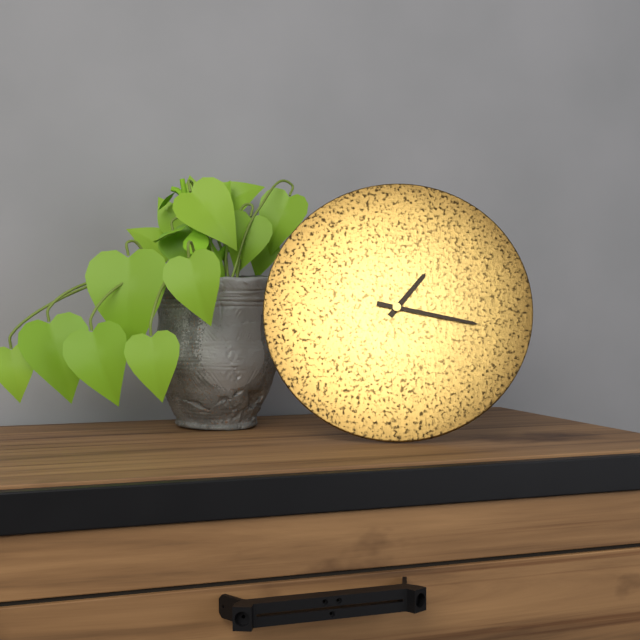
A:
1,17
